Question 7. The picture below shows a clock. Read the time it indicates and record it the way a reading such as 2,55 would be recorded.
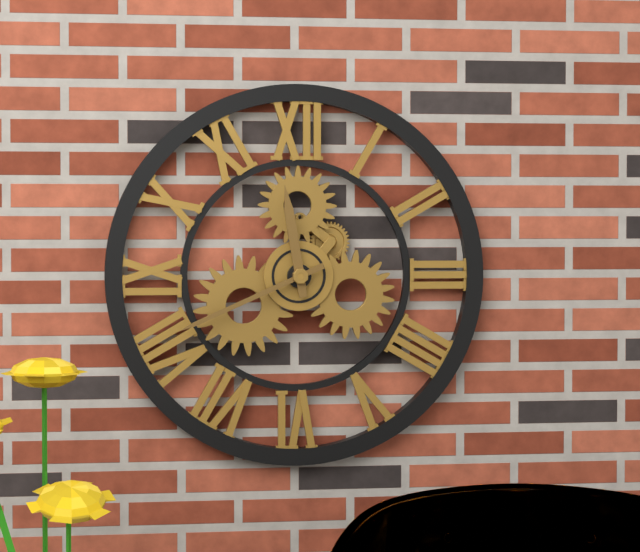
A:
11,41
